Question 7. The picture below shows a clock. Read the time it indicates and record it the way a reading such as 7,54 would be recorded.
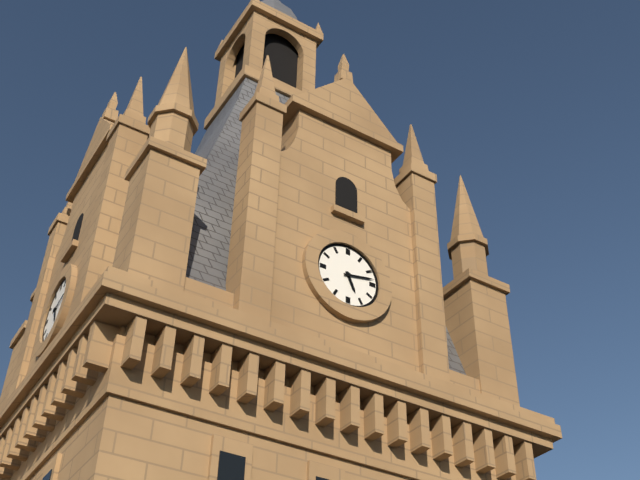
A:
5,13
